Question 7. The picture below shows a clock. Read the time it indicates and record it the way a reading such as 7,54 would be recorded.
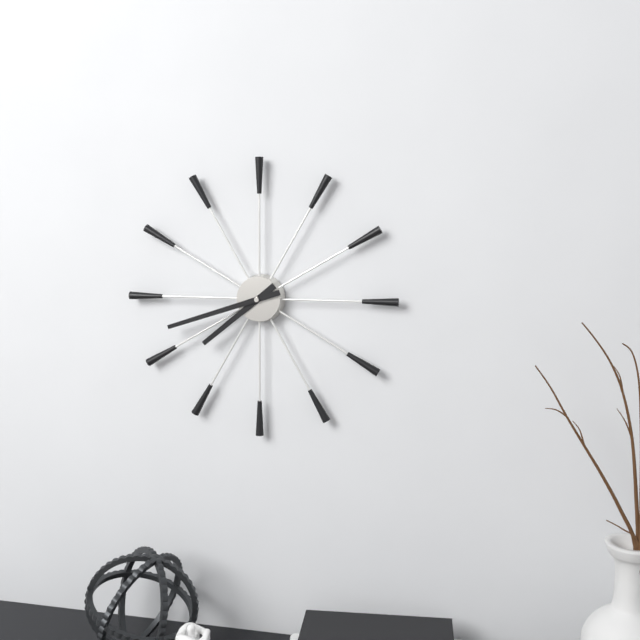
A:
7,42
